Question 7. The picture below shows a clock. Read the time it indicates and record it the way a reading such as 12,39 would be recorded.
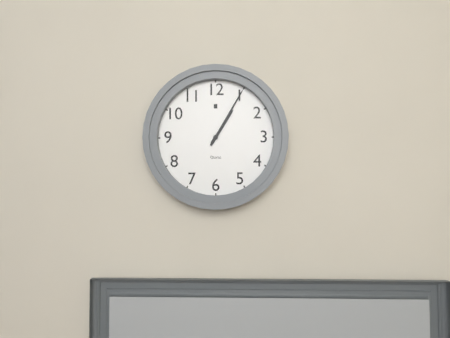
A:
1,05
